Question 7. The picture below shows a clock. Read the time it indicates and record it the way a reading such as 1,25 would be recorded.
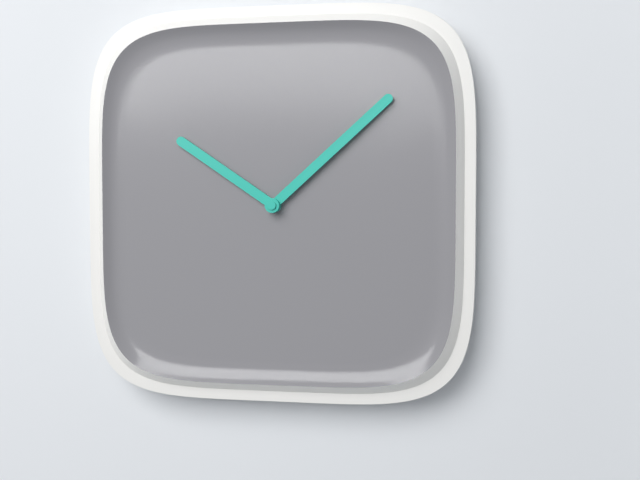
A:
10,08
